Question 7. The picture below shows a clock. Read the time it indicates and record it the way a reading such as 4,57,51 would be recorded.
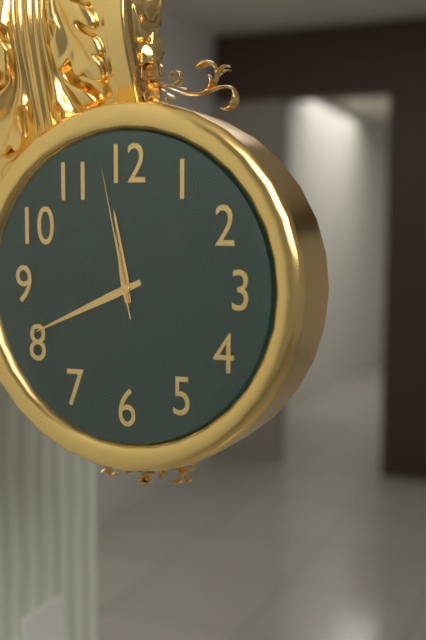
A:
11,41,58
